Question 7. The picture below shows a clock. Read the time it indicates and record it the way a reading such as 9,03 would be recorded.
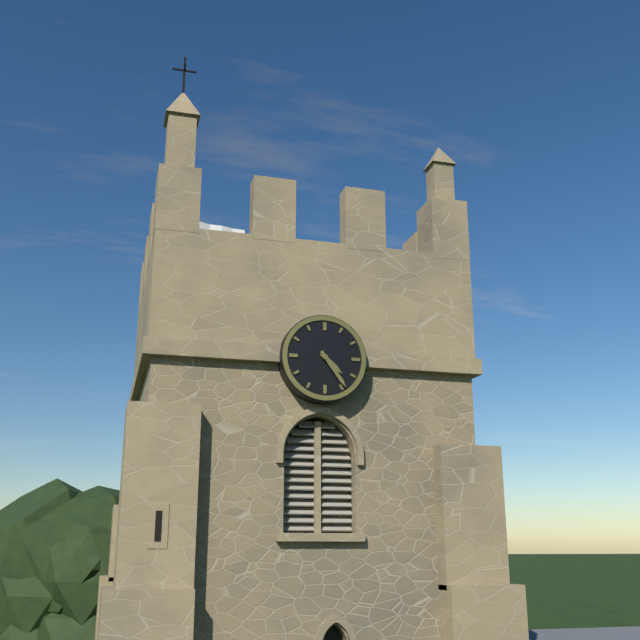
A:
4,24
